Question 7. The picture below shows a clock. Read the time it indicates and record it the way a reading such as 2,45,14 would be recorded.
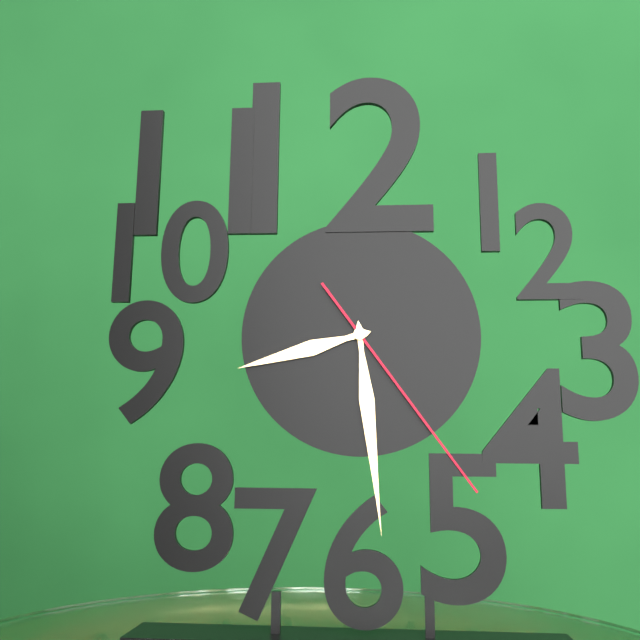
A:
8,29,24
